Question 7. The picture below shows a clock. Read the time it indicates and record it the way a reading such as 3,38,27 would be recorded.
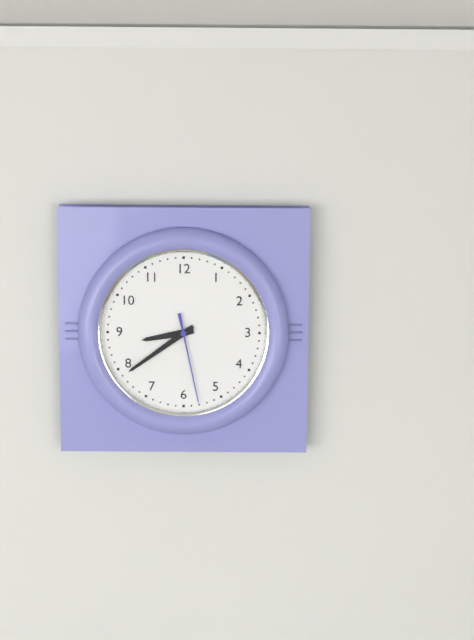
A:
8,39,28
